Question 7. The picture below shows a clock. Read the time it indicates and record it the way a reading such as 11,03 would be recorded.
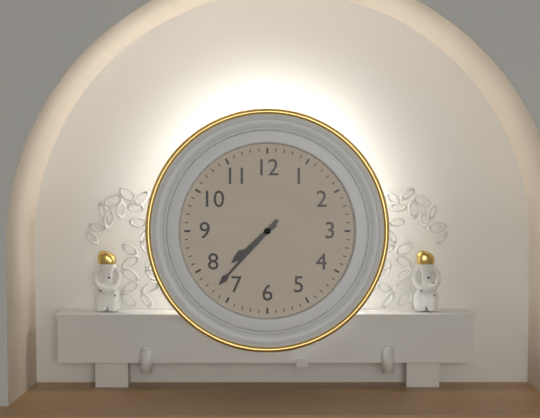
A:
7,37
